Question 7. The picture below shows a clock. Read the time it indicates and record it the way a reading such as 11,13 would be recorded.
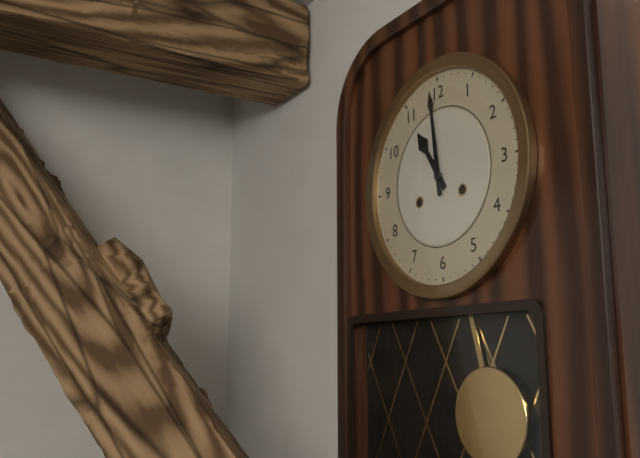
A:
10,59
